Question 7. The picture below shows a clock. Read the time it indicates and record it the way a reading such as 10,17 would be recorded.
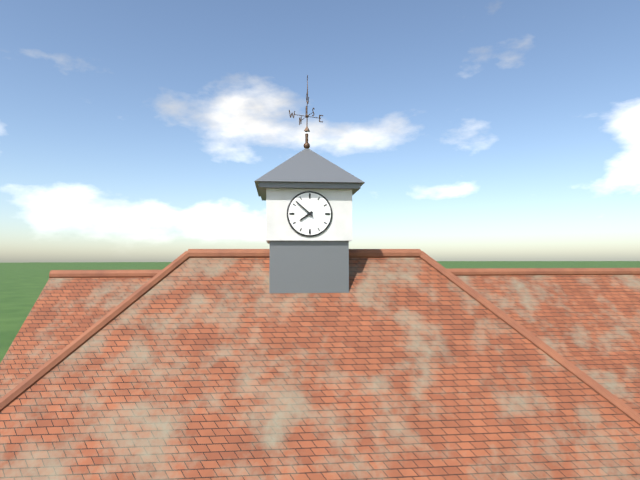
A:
7,52
